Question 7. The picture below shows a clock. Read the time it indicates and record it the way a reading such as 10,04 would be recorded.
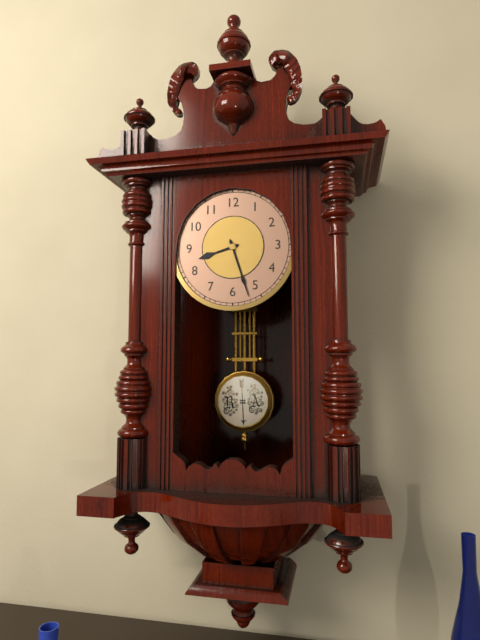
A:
8,27
